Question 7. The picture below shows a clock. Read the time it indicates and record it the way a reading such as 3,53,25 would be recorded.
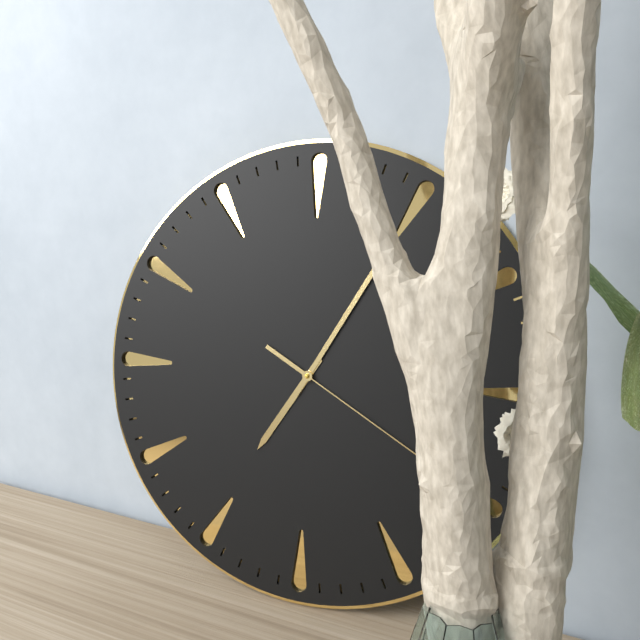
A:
7,05,20
